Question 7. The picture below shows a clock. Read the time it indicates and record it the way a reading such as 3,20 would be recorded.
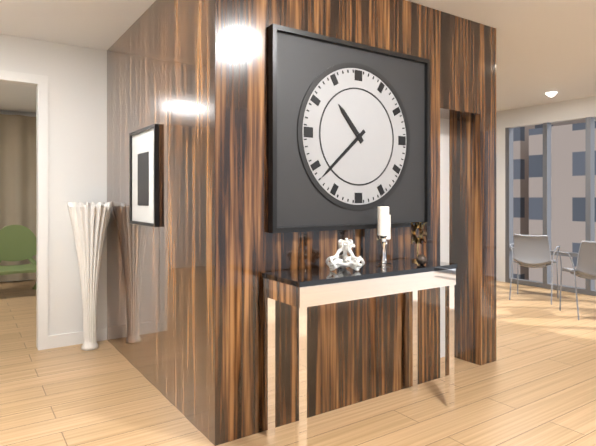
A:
10,38
